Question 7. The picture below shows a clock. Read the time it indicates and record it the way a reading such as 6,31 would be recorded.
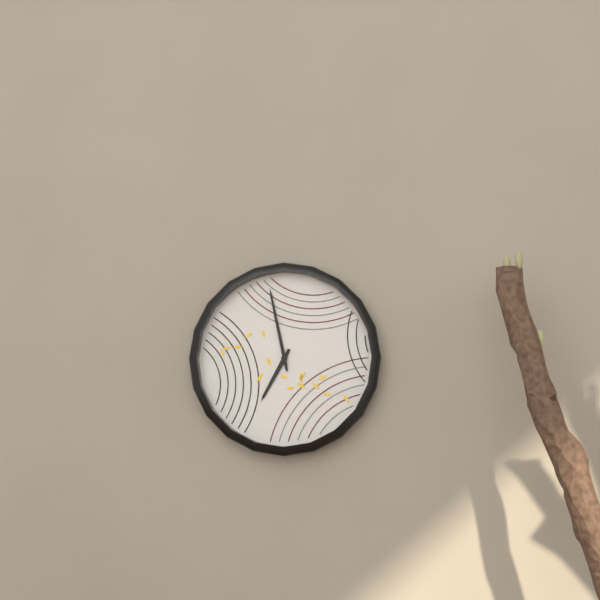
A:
6,58
